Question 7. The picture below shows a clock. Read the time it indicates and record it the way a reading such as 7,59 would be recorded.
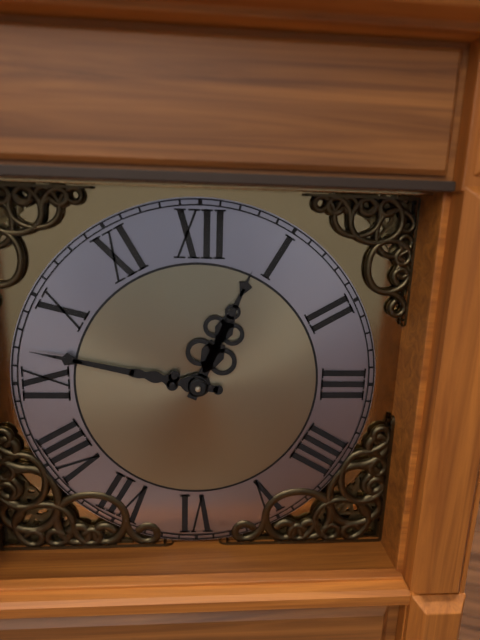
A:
12,47
